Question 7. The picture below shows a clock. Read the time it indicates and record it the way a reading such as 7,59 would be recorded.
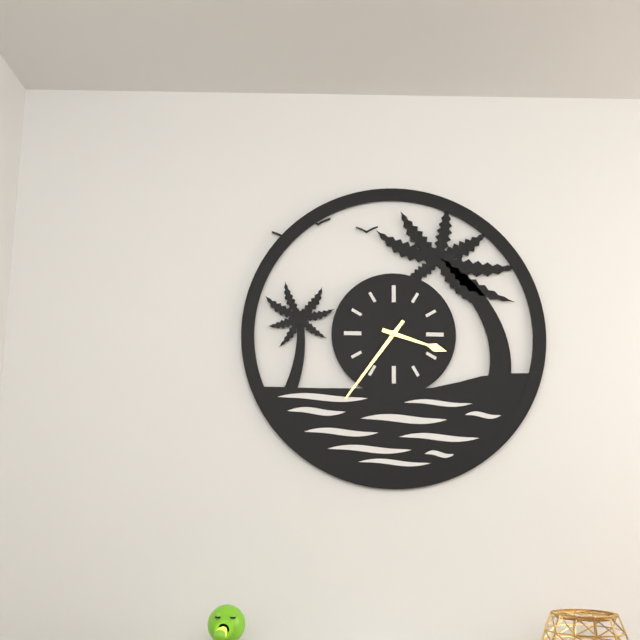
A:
3,36
